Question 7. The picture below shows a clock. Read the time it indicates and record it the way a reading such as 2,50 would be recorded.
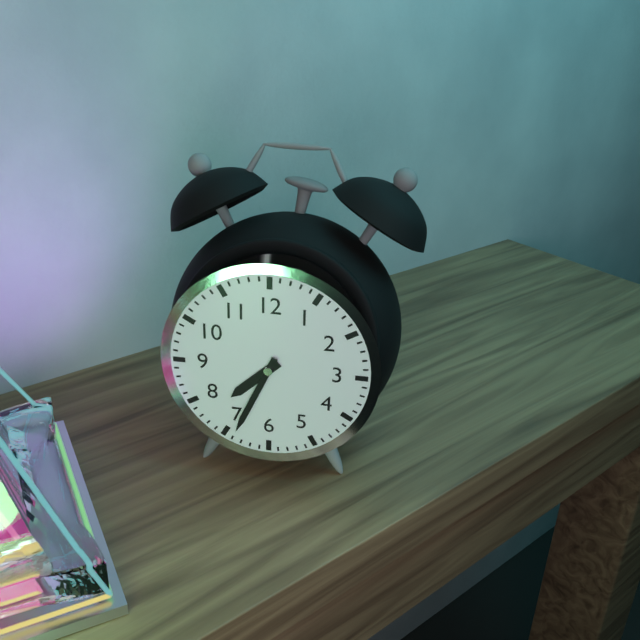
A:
7,34
